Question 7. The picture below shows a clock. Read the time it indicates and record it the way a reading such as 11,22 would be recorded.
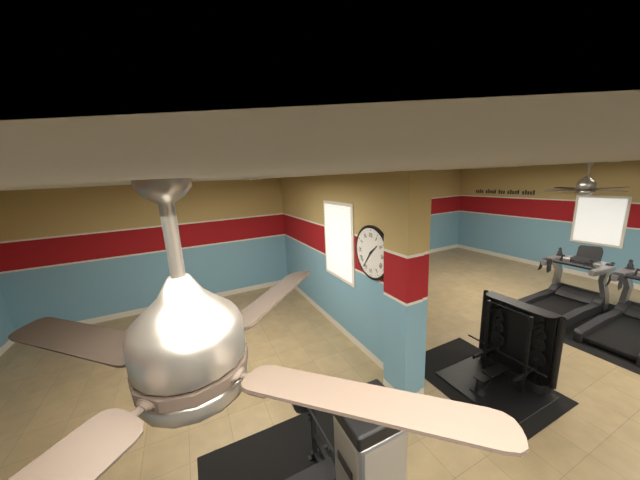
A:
1,36
